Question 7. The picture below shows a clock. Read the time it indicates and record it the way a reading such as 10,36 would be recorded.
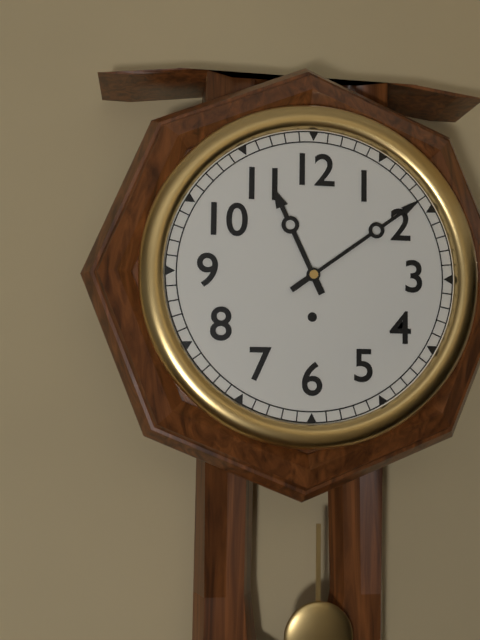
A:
11,09
